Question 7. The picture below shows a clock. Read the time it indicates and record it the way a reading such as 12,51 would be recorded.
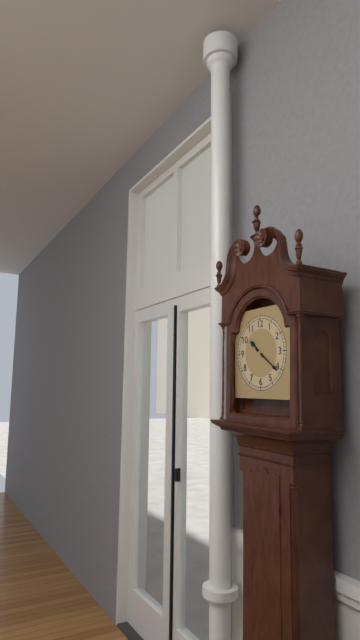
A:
10,21
